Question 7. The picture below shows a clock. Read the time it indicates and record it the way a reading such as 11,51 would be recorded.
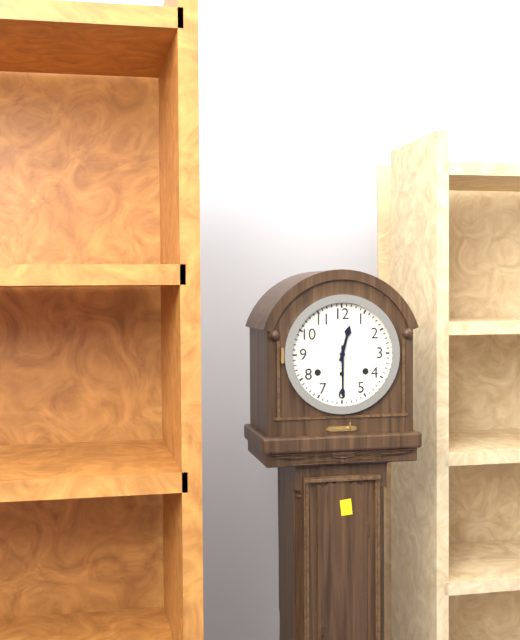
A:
12,30
